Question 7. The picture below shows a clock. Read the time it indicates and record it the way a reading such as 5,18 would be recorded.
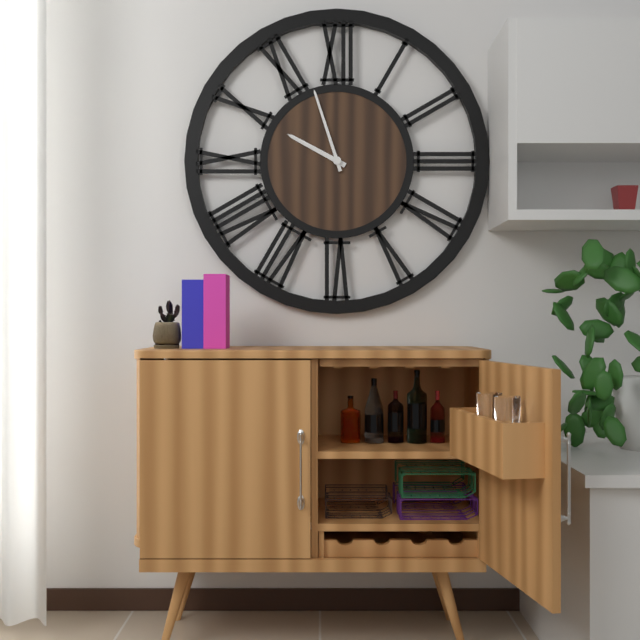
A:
9,57
